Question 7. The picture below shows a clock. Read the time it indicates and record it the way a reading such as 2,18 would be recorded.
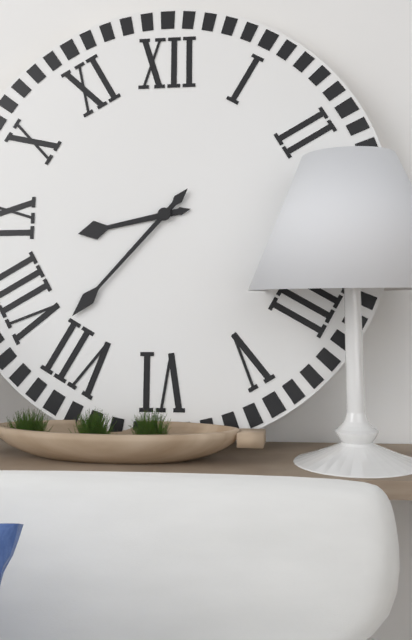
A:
8,37
